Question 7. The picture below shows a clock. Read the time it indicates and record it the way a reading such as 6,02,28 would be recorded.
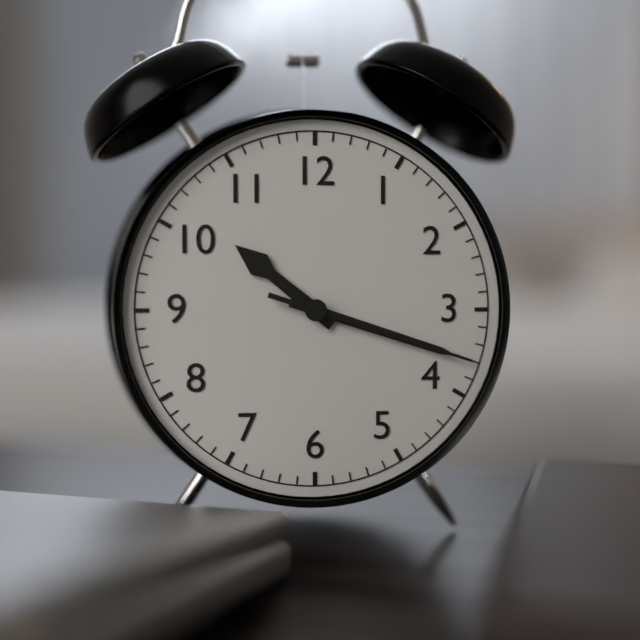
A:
10,18,18
